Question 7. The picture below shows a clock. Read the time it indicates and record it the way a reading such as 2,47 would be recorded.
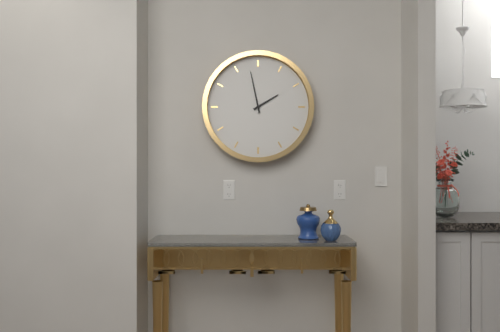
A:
1,58
